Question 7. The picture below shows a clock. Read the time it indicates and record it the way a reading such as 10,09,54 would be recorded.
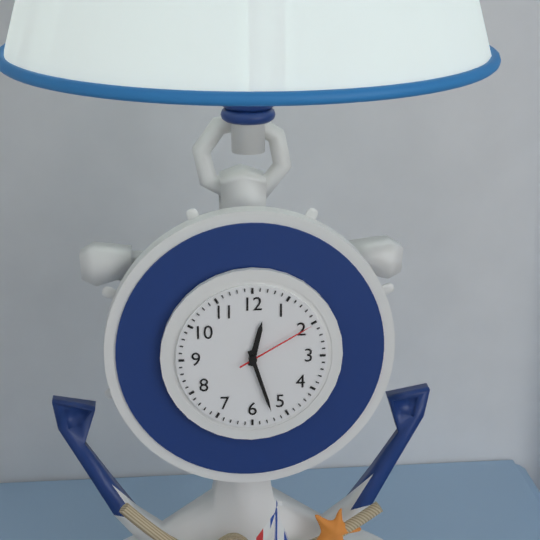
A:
12,27,10
